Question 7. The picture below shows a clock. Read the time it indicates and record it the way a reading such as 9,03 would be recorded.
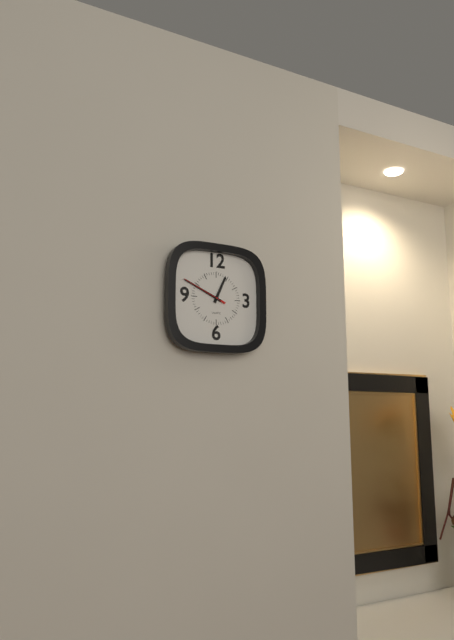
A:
12,49
